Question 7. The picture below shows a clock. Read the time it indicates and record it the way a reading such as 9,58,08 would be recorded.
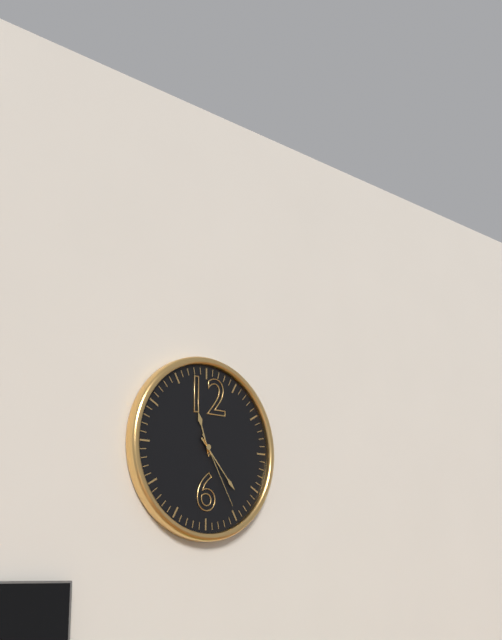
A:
11,23,25
